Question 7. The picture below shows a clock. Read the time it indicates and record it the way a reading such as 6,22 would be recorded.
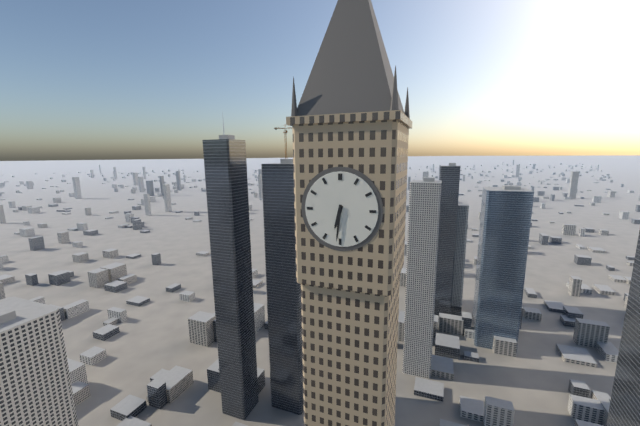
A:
6,31
